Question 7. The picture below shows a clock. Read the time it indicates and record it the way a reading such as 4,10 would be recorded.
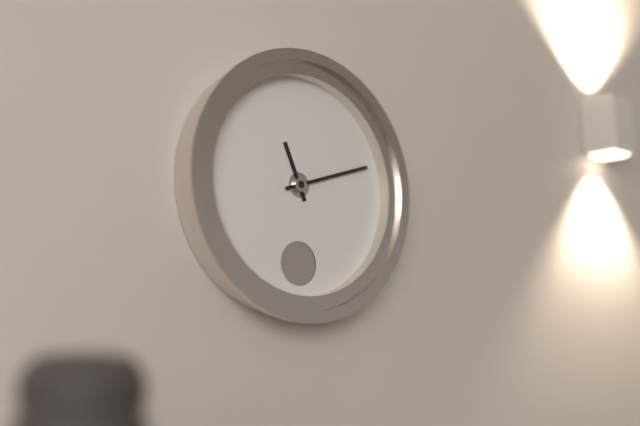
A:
11,12
